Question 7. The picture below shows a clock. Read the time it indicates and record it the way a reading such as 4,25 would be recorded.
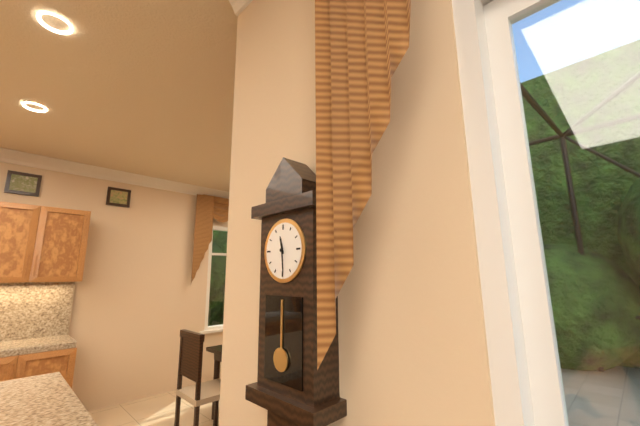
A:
11,29
